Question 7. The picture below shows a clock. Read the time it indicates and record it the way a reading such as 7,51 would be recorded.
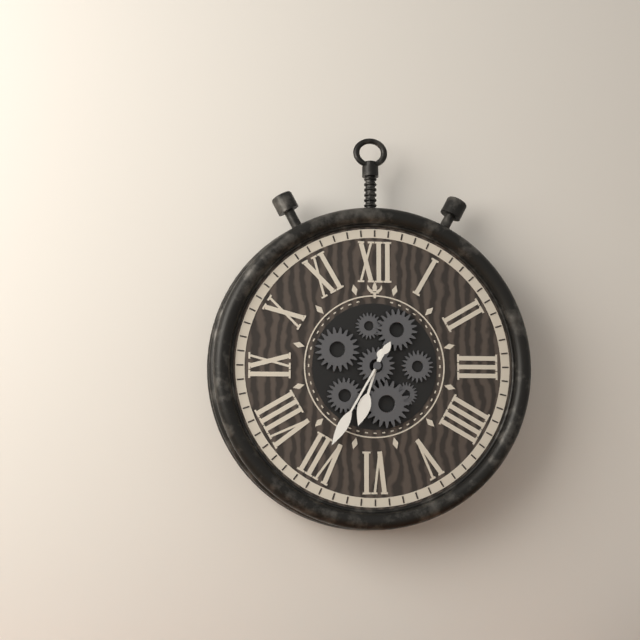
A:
6,35
